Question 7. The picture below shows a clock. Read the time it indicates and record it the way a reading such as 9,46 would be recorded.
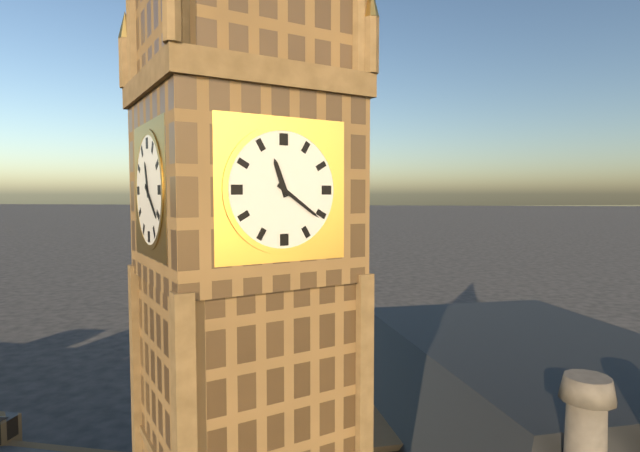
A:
11,21
